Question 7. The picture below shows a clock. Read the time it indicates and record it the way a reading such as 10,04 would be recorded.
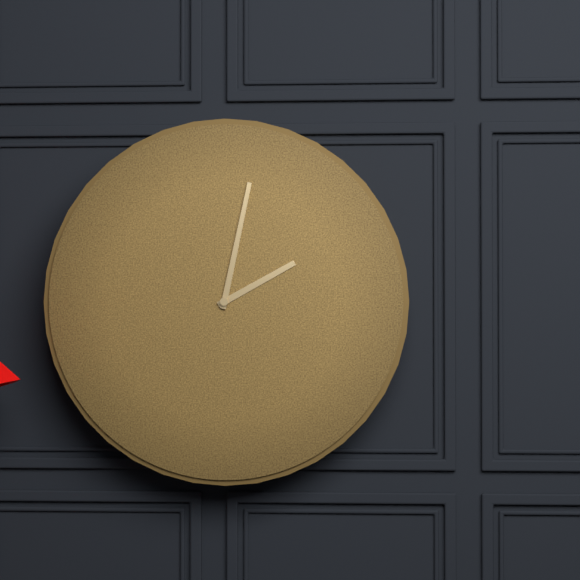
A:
2,02
